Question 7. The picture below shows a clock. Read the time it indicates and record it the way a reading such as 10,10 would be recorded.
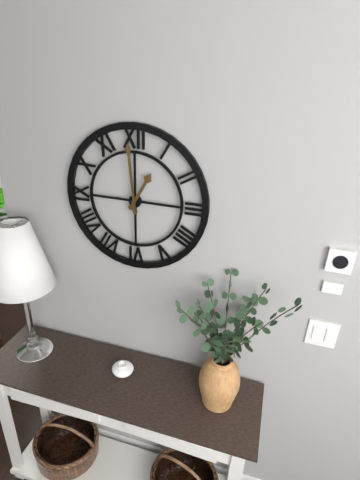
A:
12,59
